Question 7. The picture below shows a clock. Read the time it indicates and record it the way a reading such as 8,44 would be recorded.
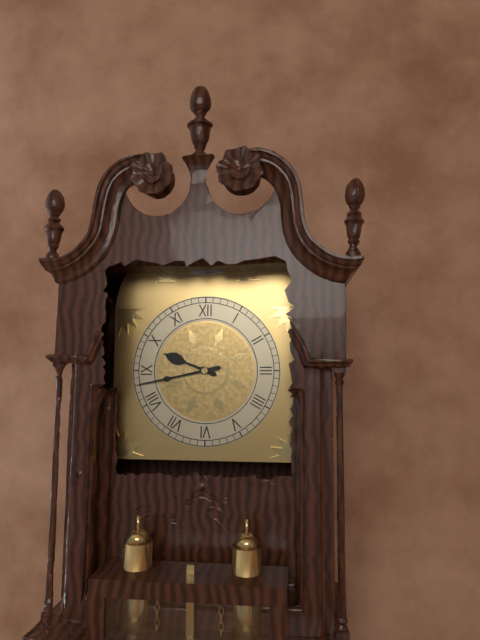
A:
9,43
